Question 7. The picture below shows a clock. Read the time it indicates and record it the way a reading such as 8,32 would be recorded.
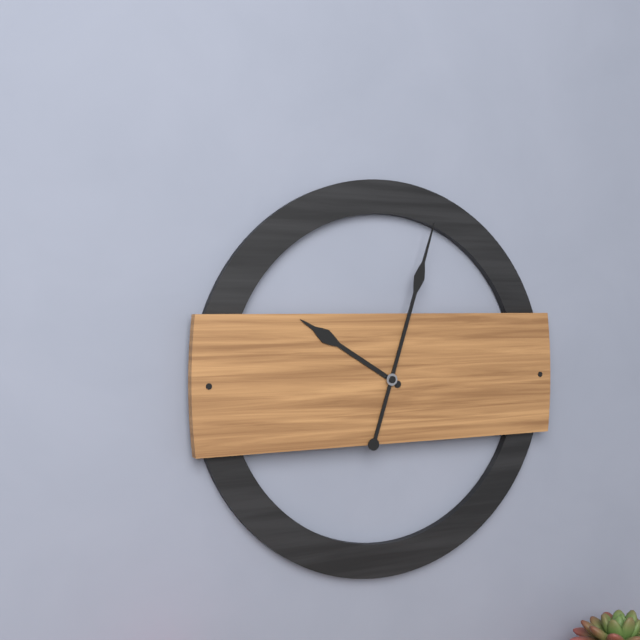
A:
10,03
